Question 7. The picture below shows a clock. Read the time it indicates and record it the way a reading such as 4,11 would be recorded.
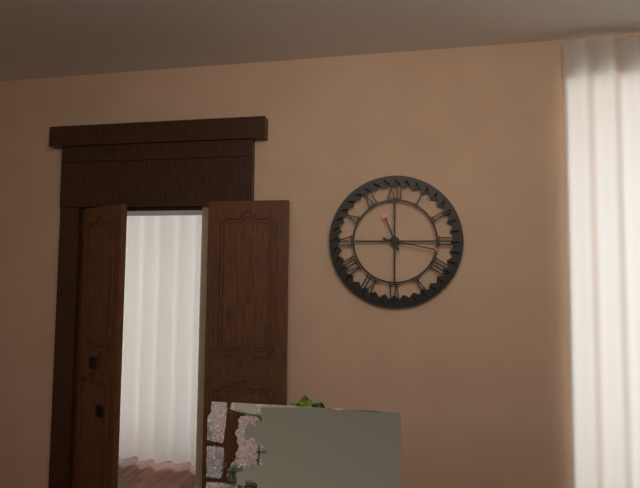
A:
11,17
